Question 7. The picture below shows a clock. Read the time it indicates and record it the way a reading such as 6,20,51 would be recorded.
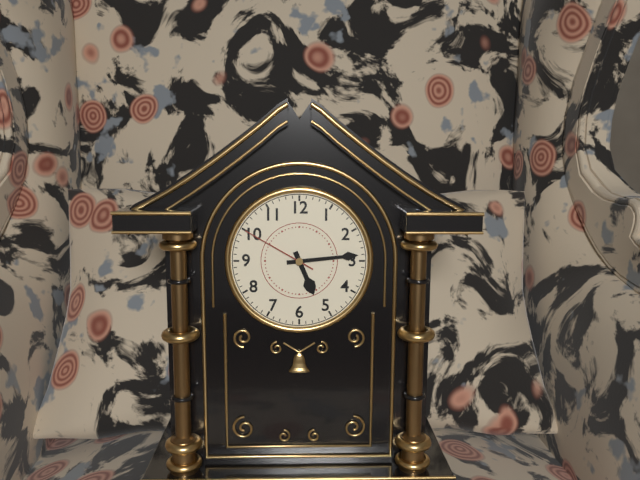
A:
5,14,50
